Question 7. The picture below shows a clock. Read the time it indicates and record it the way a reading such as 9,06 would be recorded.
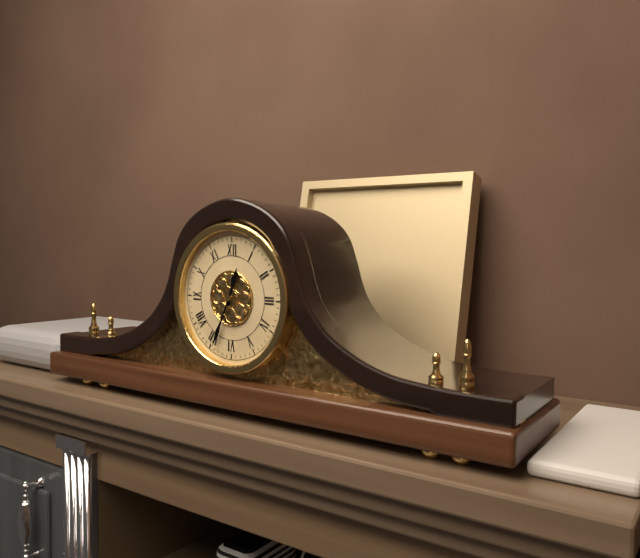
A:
12,34
